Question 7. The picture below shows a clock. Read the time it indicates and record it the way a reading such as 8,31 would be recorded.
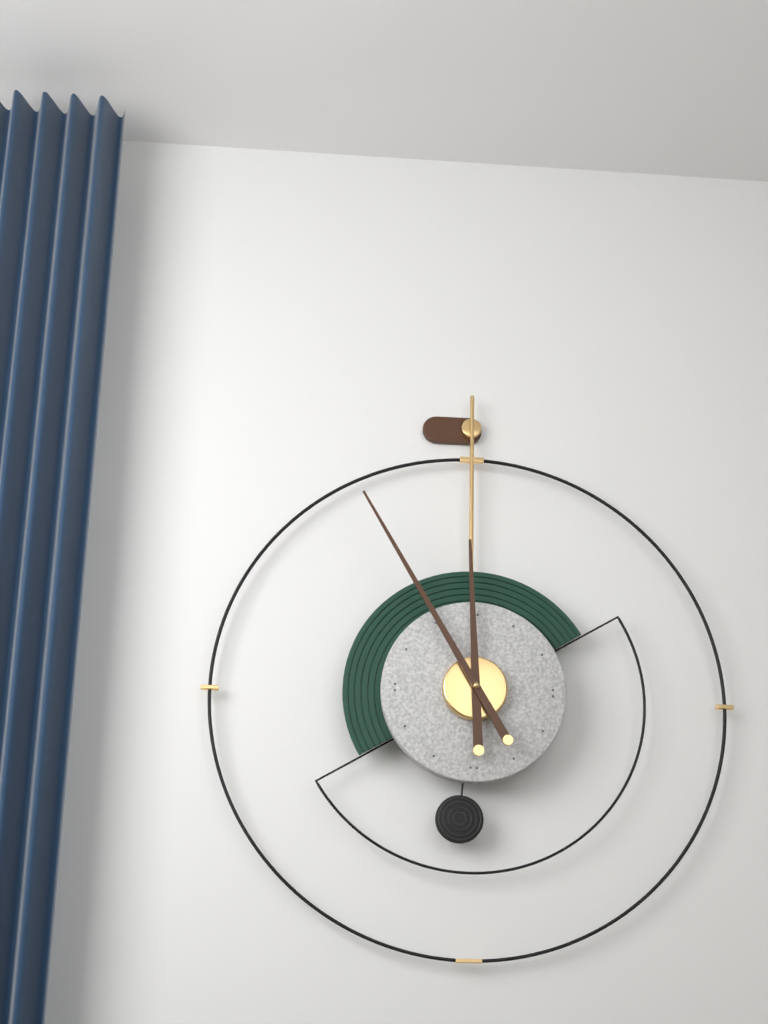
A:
11,55
